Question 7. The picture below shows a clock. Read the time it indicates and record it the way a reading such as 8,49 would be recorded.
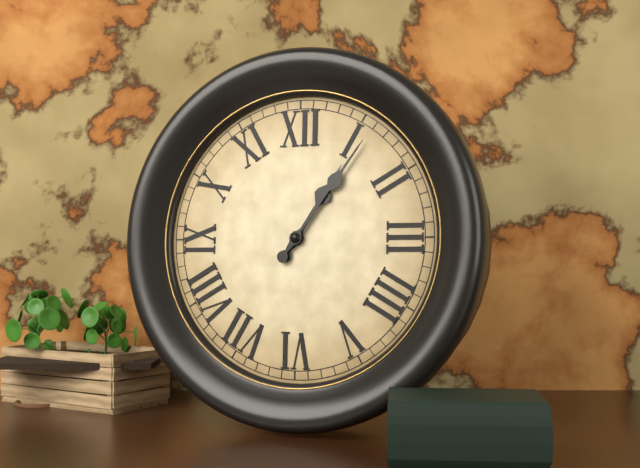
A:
1,06
